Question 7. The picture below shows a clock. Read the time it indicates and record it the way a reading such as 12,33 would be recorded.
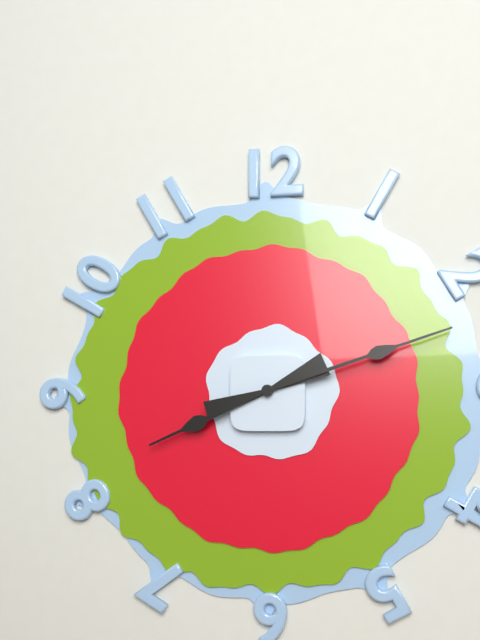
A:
8,12
